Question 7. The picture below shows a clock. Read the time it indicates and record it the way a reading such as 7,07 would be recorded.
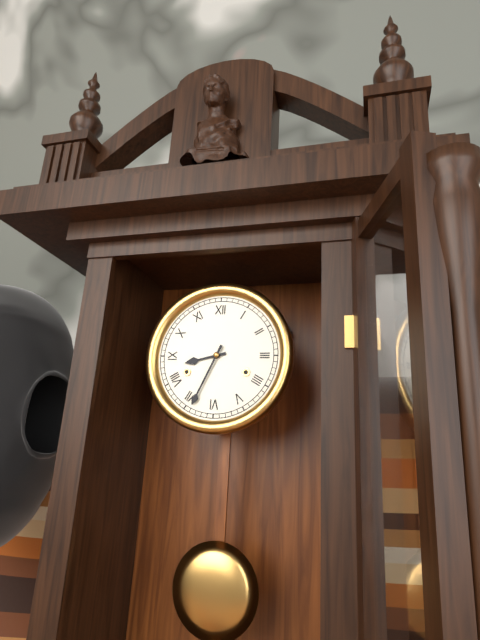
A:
8,34
